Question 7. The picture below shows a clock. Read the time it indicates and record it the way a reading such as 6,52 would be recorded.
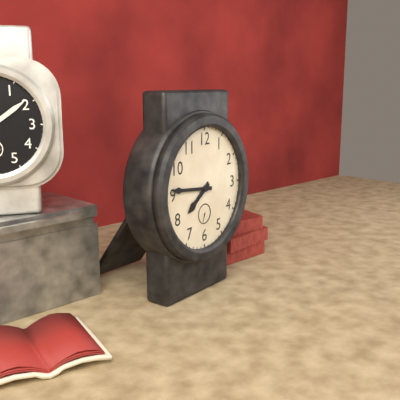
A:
7,46
